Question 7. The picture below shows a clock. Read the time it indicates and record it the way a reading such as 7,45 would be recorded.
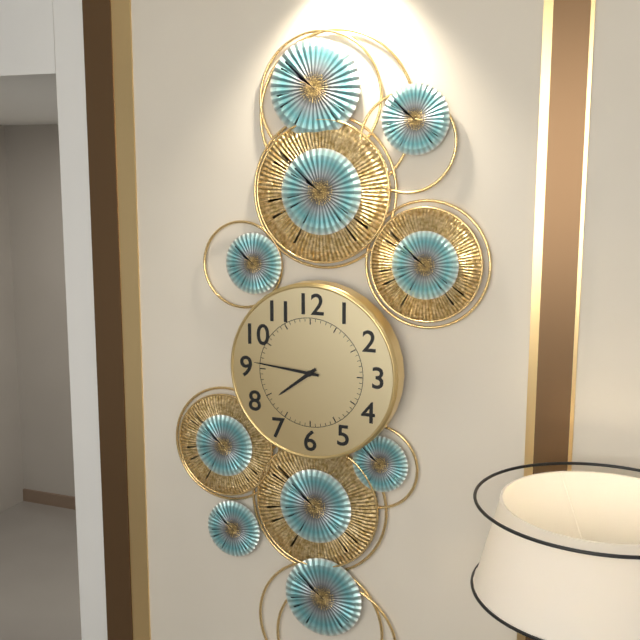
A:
7,46
